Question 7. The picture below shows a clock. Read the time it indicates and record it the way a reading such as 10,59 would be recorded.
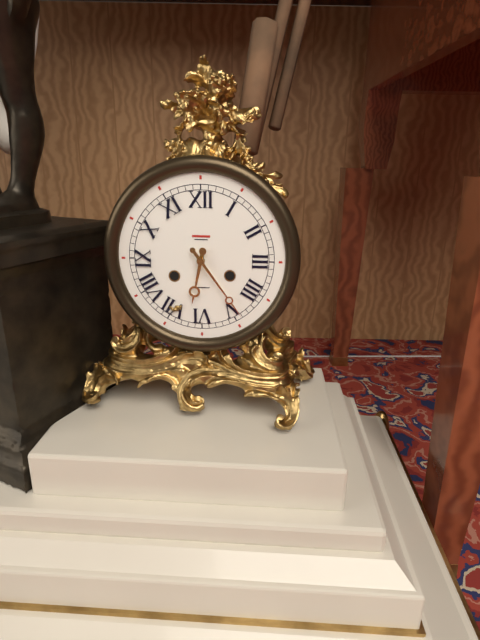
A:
6,24
